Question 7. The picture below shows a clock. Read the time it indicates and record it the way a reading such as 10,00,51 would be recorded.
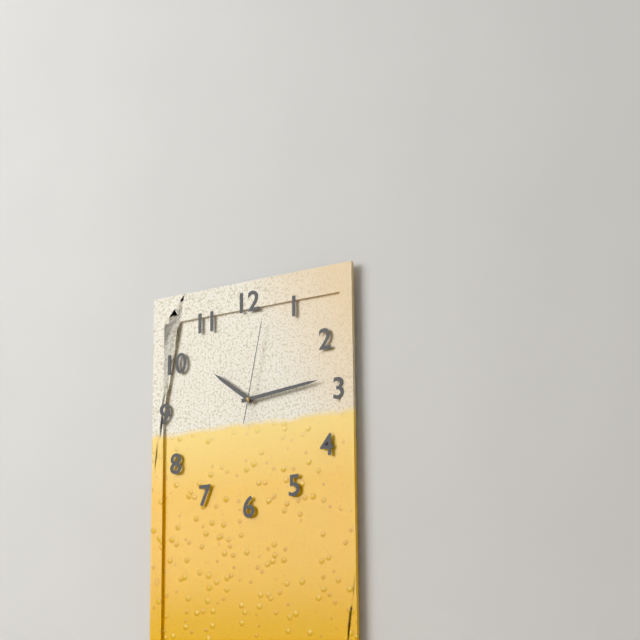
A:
10,14,02
